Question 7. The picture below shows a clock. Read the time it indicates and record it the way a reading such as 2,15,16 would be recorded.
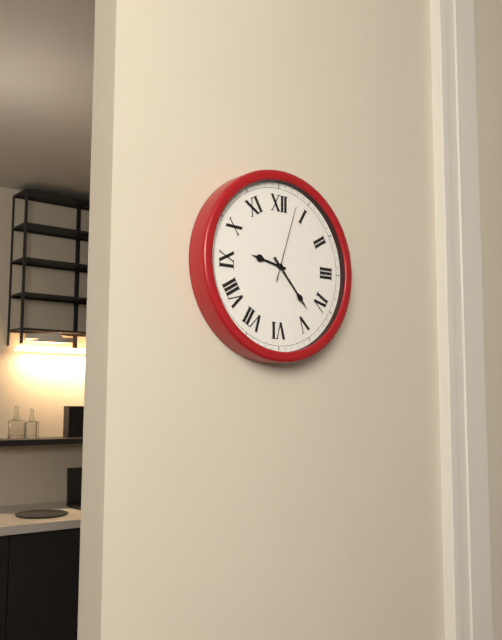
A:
9,23,03
